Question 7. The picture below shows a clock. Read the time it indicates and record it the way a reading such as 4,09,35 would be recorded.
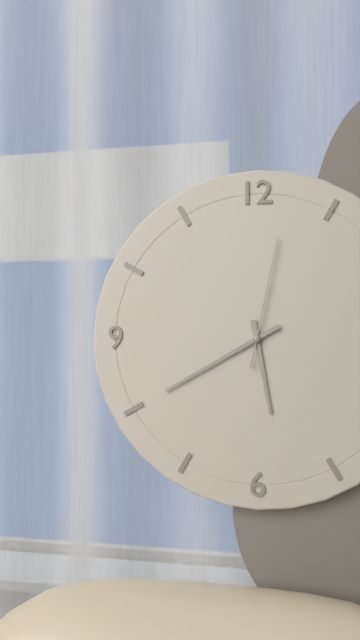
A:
5,40,02
